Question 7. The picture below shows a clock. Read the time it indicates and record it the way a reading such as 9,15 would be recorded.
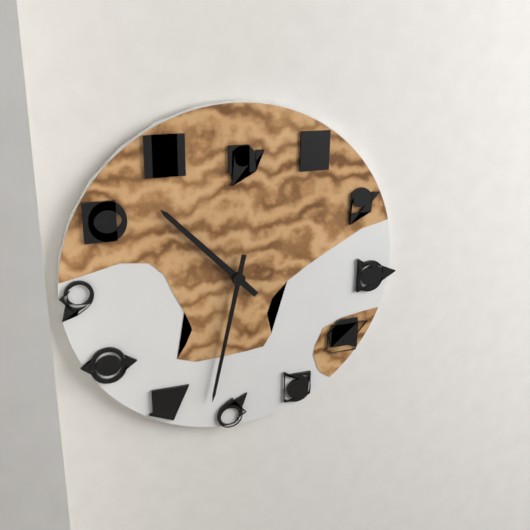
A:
10,32
